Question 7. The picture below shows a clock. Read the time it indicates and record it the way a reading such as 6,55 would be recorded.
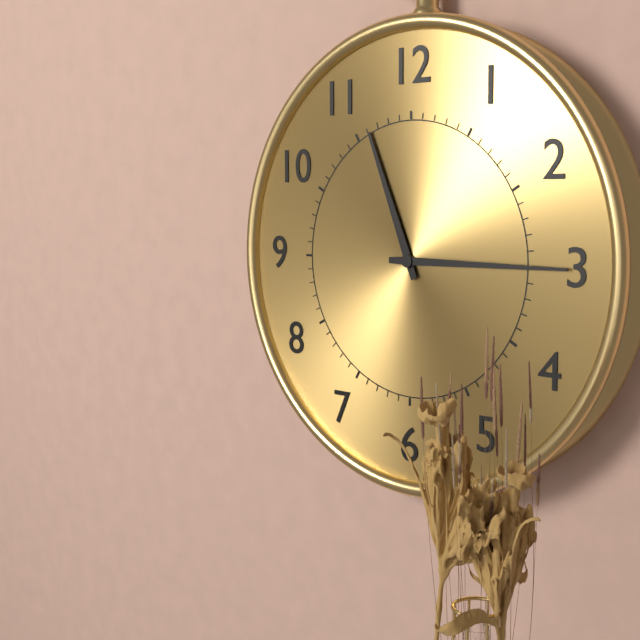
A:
11,15
